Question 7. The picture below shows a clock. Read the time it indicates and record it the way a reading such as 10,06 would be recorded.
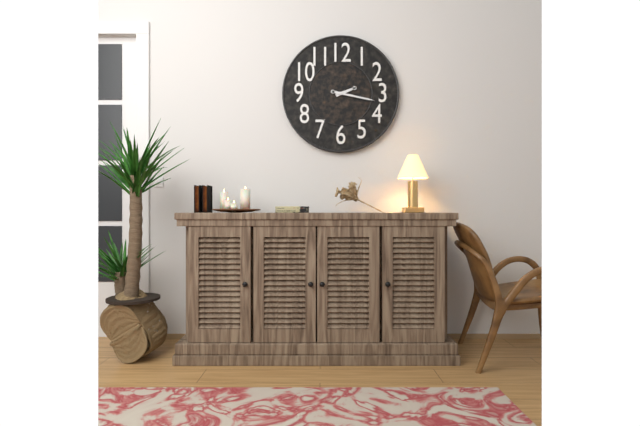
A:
2,17
